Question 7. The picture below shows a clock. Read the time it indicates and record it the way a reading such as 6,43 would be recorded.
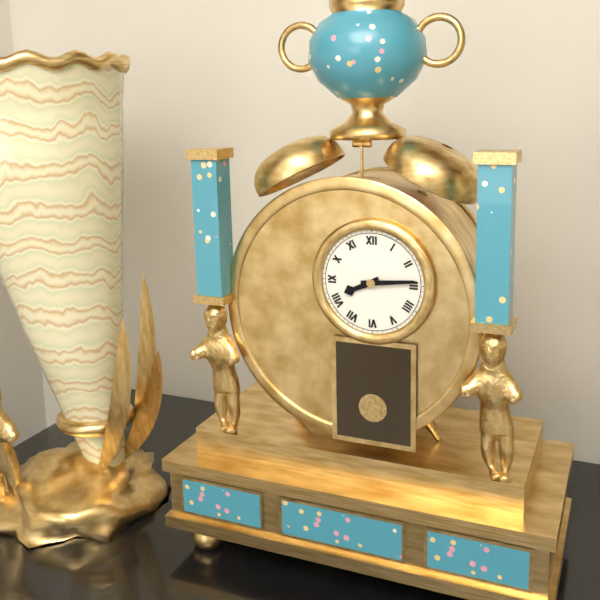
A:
8,14
